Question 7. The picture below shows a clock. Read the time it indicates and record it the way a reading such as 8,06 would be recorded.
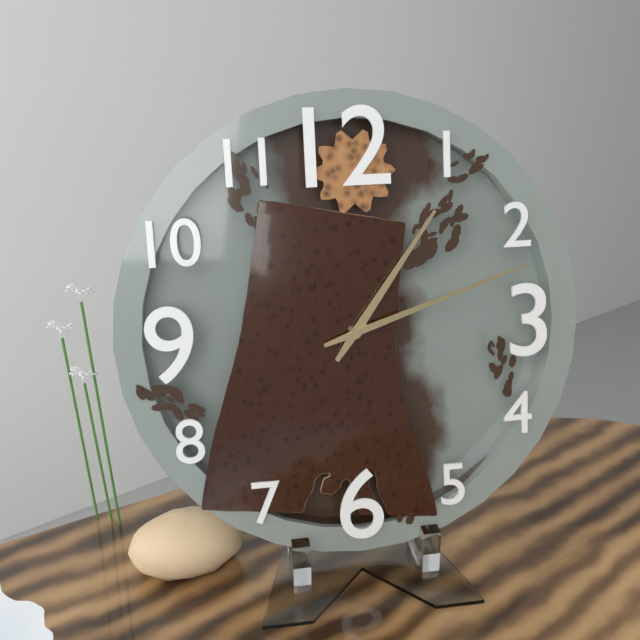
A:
1,12
